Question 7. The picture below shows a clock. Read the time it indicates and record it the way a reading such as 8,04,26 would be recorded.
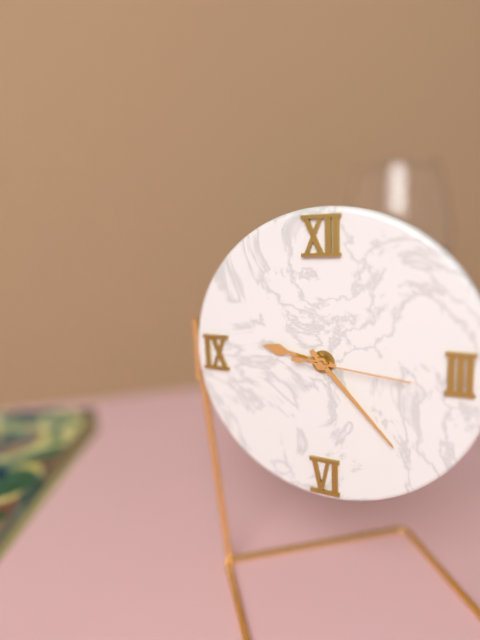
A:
9,23,16
